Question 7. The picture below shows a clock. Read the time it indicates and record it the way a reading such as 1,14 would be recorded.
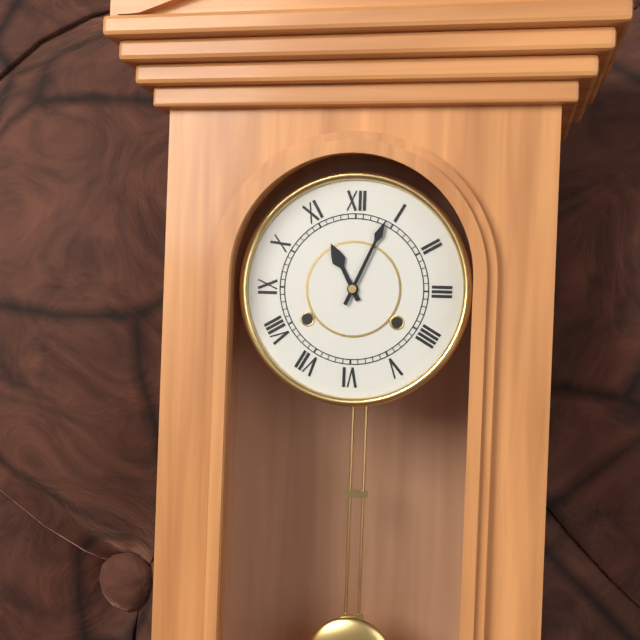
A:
11,04
